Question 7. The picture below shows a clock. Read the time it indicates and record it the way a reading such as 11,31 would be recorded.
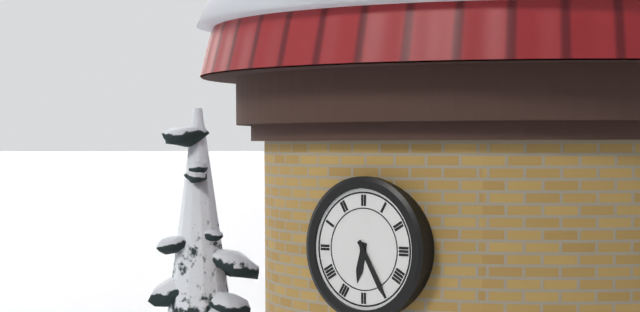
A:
6,25
